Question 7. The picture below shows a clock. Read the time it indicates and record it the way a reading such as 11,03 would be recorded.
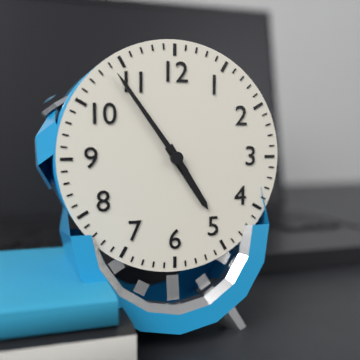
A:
4,54
